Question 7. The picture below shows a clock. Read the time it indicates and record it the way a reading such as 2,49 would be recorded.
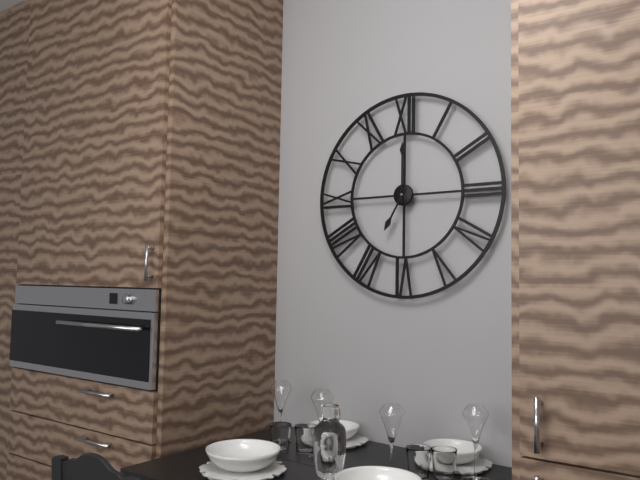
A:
7,00
